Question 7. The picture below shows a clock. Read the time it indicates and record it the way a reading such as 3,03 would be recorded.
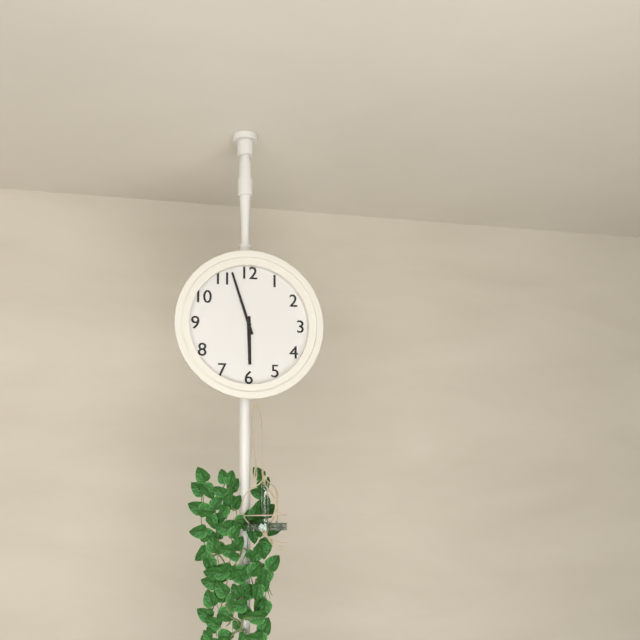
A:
5,57
